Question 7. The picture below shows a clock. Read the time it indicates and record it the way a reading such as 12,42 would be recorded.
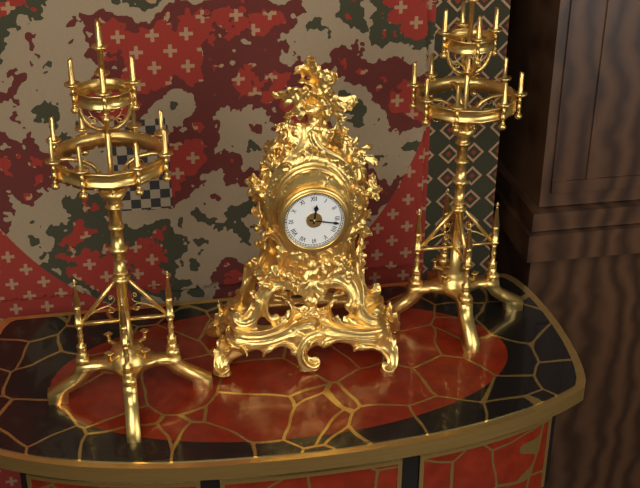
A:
12,17
